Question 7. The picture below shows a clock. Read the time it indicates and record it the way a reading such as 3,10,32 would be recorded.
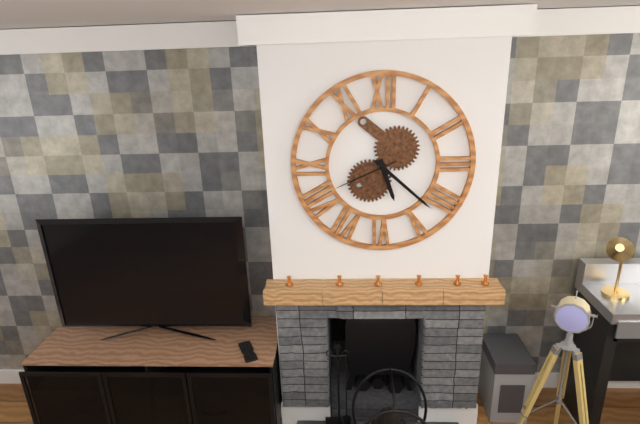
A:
5,22,41
